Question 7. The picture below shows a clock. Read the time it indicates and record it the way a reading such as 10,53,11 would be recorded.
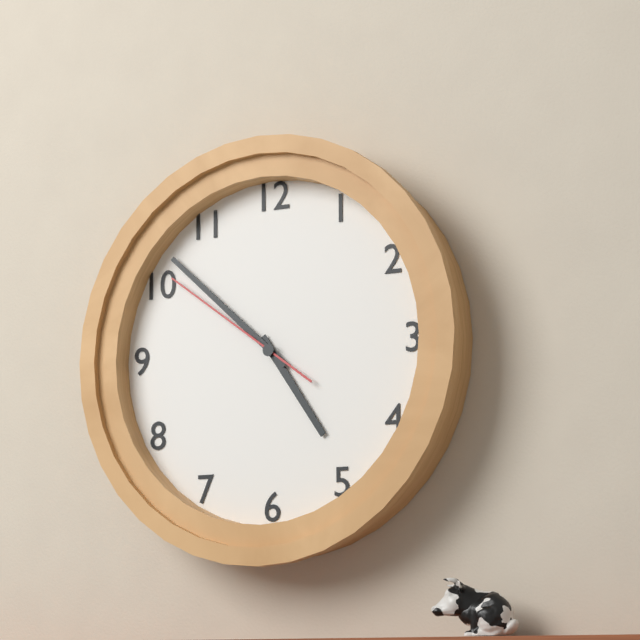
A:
4,52,51
